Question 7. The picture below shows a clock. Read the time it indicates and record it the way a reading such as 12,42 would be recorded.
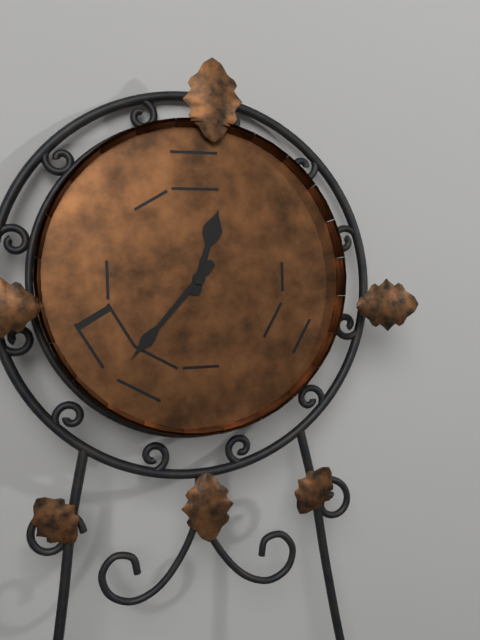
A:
12,37
